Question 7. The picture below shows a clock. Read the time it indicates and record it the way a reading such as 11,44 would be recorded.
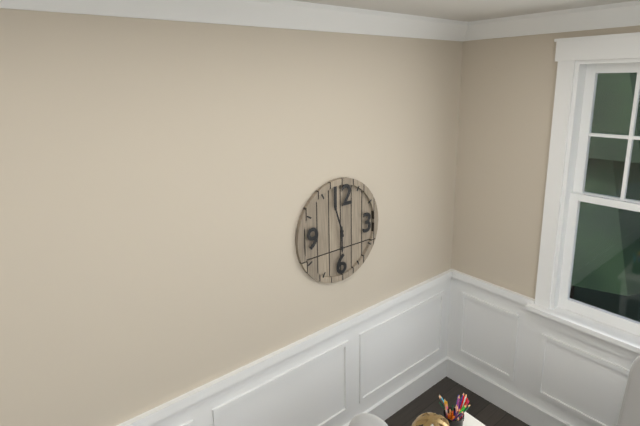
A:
5,57
